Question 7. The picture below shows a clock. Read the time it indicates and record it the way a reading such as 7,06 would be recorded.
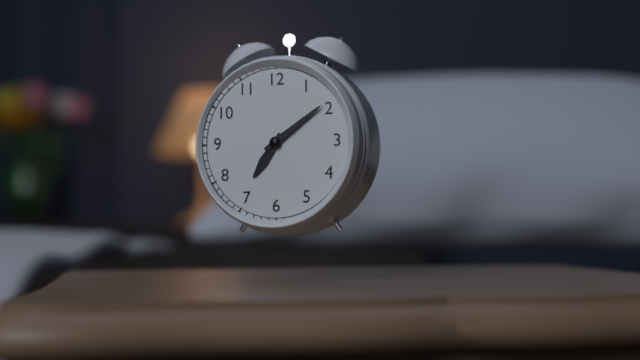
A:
7,09
